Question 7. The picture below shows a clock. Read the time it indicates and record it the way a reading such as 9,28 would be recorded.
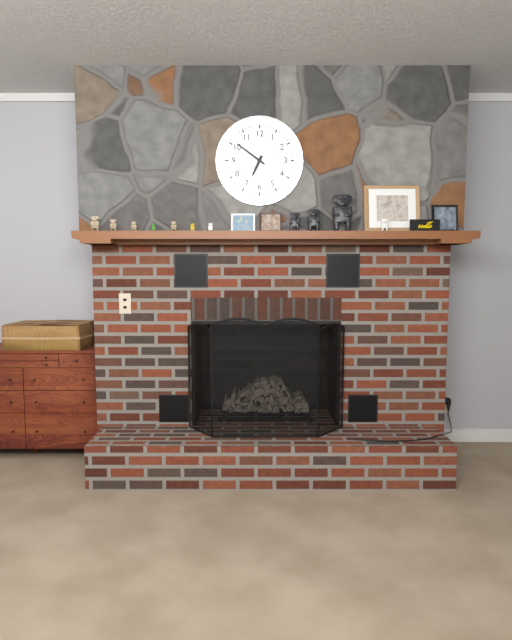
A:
6,51
